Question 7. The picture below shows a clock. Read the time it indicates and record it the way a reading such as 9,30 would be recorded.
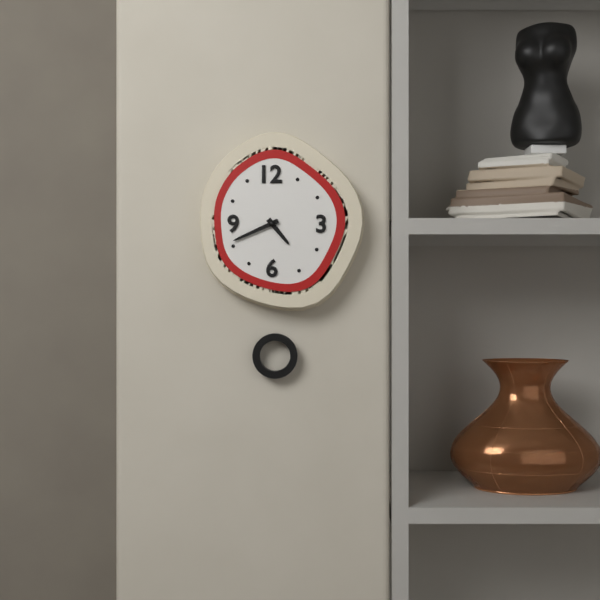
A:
4,41
